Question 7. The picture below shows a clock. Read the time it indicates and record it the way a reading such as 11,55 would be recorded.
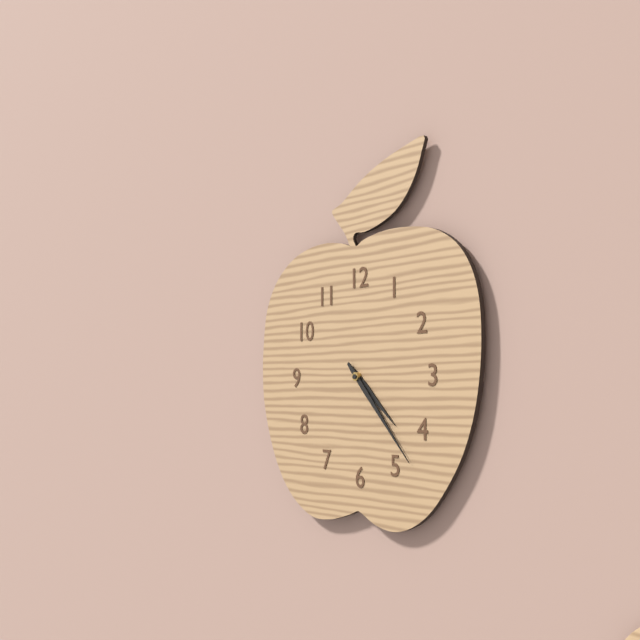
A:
4,23
